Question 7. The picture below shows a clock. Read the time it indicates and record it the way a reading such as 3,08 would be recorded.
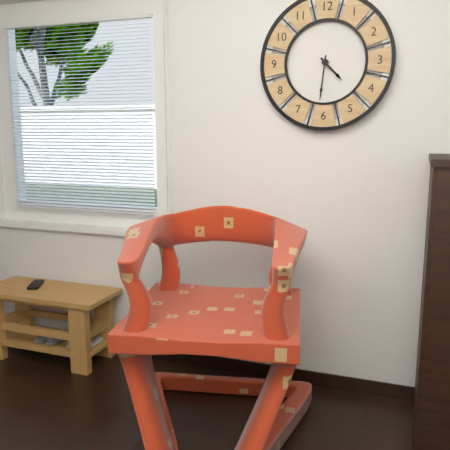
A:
4,31
